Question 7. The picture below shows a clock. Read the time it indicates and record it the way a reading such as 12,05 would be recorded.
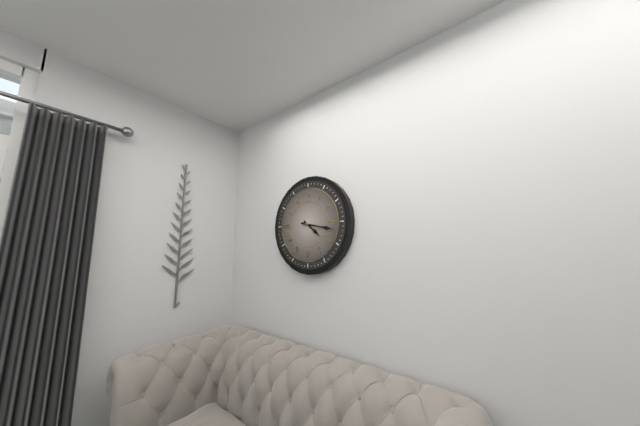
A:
4,17
